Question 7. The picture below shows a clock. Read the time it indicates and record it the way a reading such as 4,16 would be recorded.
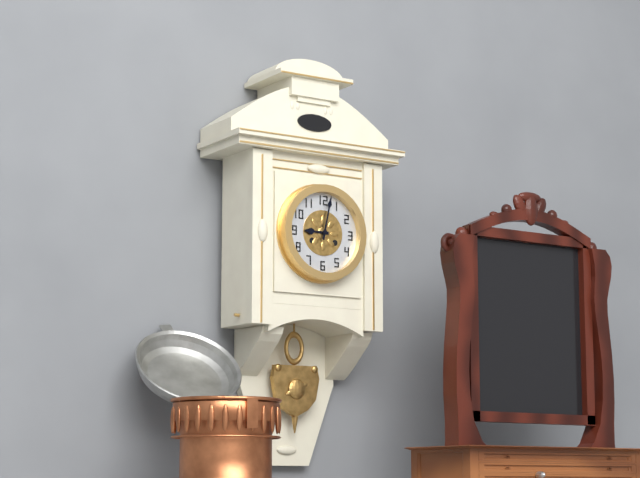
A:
9,02
